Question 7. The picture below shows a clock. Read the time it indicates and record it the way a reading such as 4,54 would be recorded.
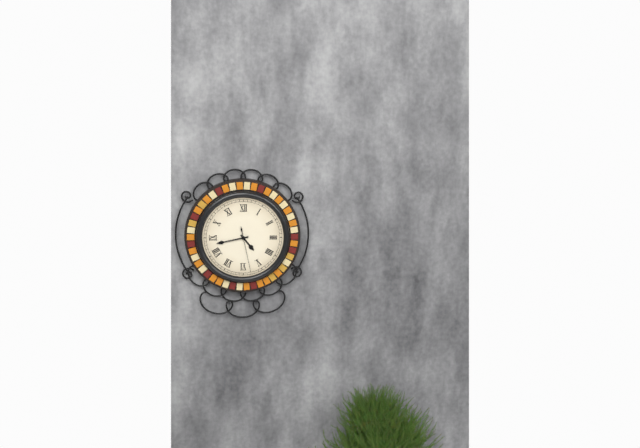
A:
4,43
